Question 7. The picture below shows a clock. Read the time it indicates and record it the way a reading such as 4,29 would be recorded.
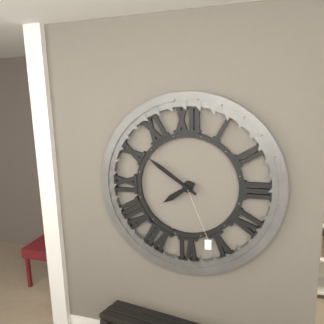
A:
7,51
